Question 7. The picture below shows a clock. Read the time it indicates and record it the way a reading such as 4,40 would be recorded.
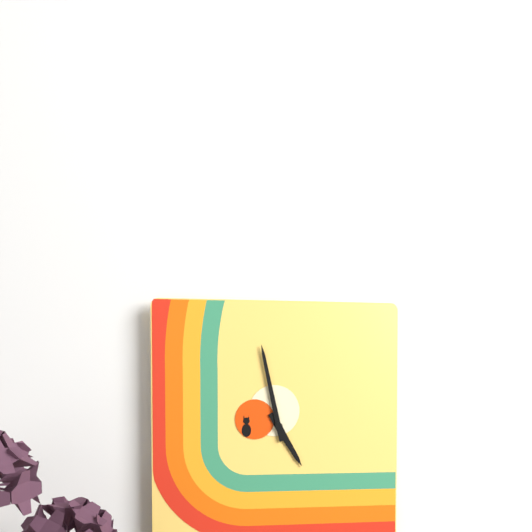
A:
4,58
